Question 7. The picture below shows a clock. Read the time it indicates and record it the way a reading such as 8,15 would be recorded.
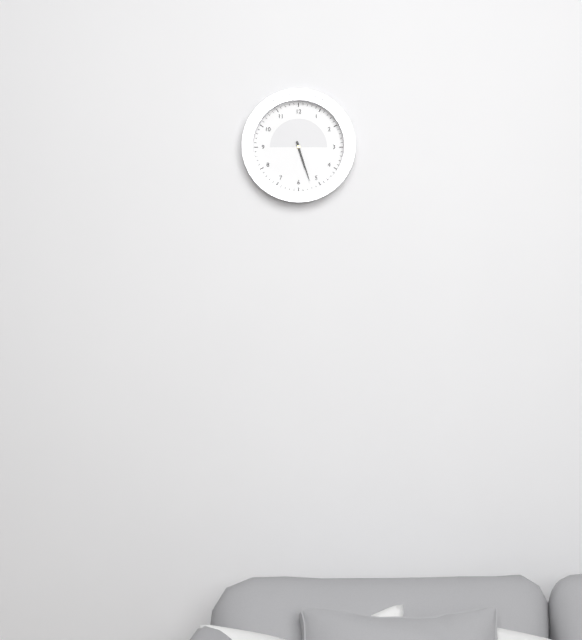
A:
5,27
